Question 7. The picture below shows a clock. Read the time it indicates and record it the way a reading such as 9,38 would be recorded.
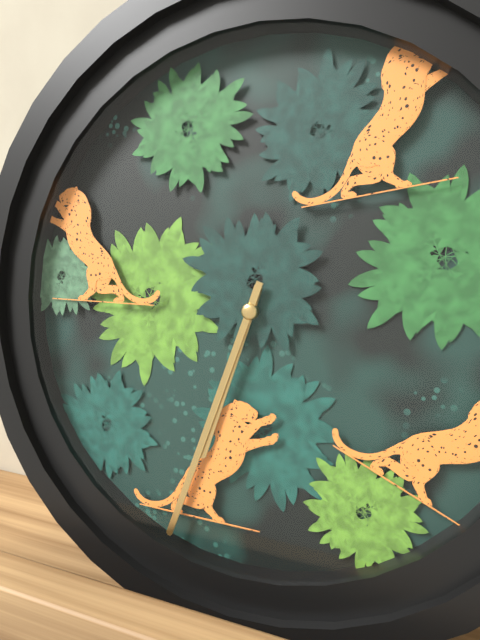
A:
6,33
